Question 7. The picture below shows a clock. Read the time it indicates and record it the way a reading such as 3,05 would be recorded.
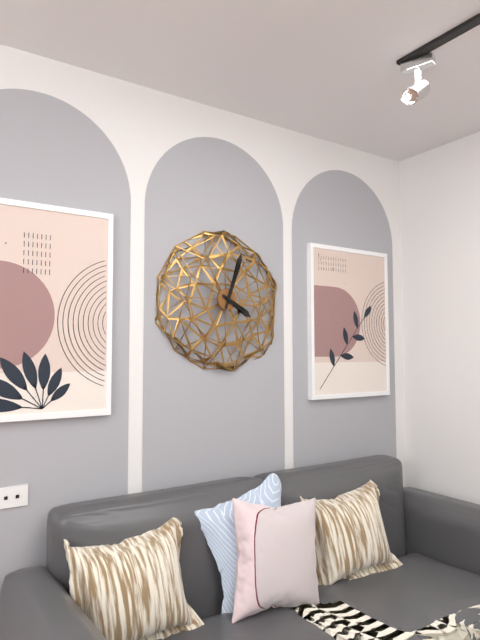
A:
4,03
